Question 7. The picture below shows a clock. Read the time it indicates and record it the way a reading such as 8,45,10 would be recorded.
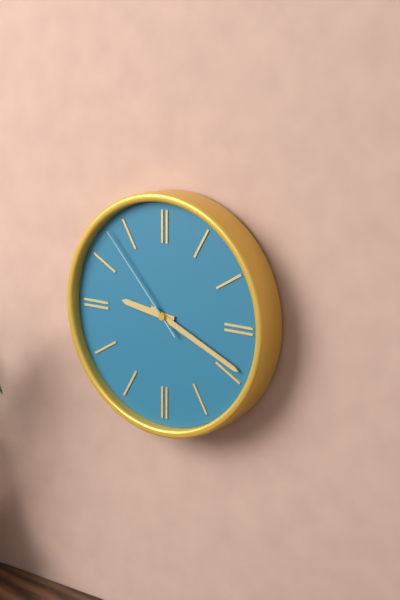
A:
9,19,53
